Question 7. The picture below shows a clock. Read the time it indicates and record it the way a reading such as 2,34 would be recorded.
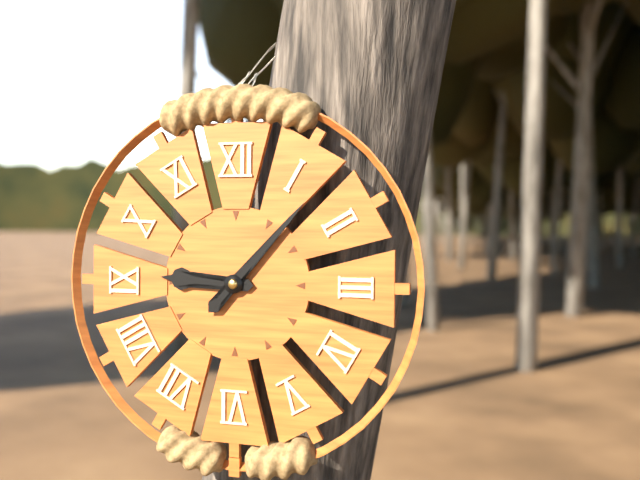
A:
9,07
